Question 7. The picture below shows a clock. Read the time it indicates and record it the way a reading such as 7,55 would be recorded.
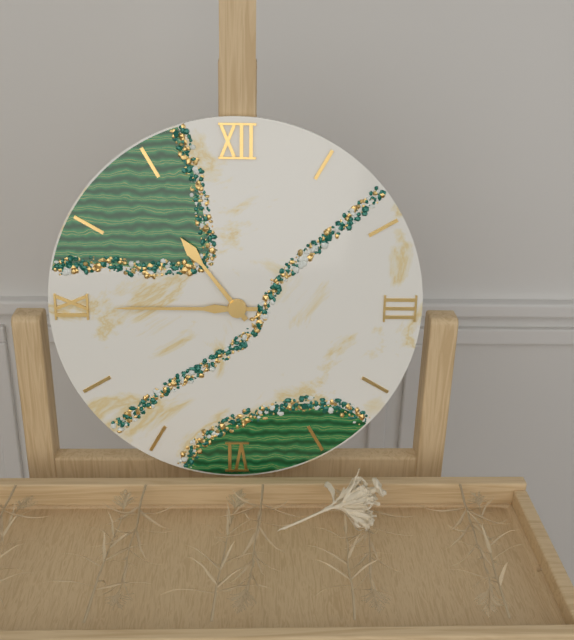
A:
10,45
